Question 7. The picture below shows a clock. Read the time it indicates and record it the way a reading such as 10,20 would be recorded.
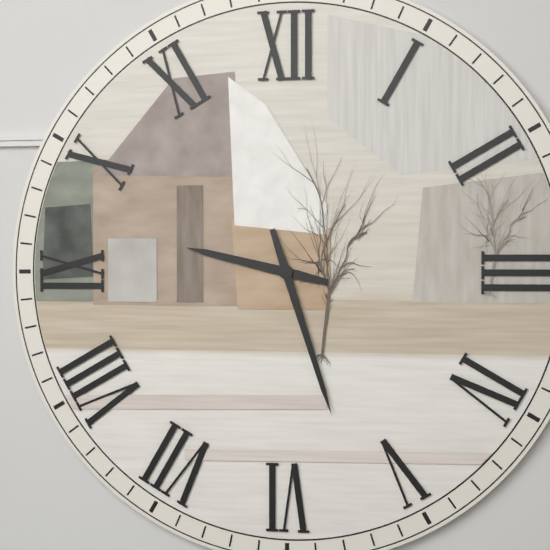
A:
9,27
